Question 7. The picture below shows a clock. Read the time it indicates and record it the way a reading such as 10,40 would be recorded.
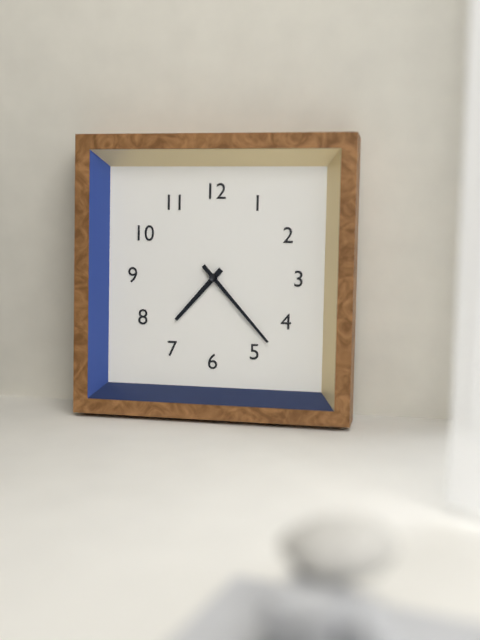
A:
7,23
